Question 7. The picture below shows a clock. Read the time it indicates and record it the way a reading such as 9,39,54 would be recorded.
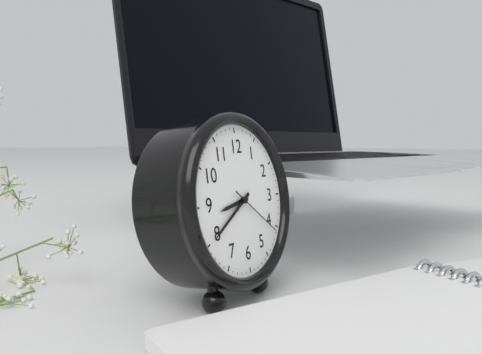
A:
8,40,21
